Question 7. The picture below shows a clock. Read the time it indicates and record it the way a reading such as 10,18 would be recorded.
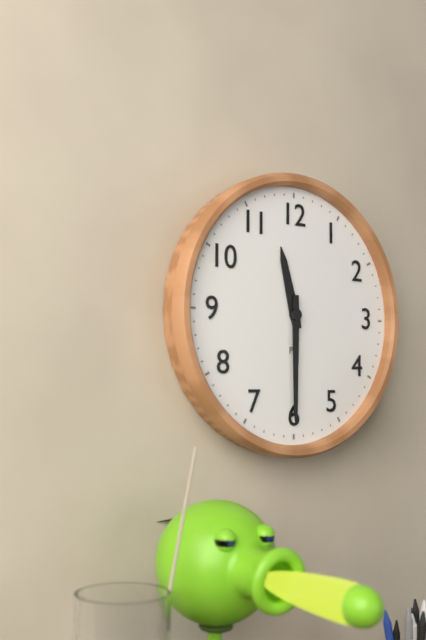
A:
11,30
